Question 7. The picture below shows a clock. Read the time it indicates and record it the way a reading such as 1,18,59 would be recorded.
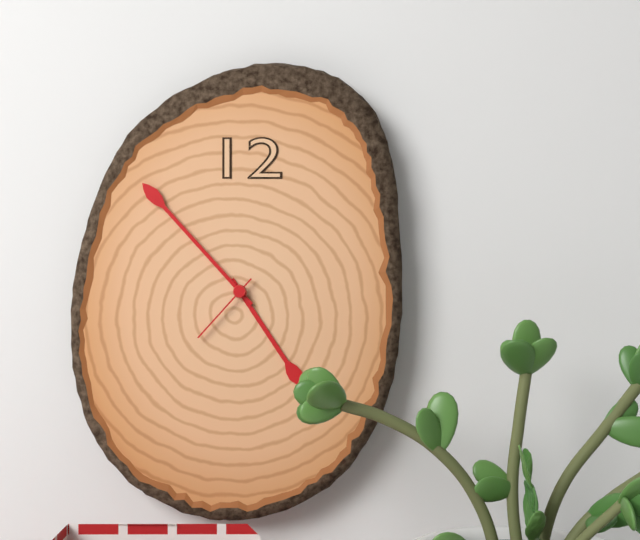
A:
4,53,37
